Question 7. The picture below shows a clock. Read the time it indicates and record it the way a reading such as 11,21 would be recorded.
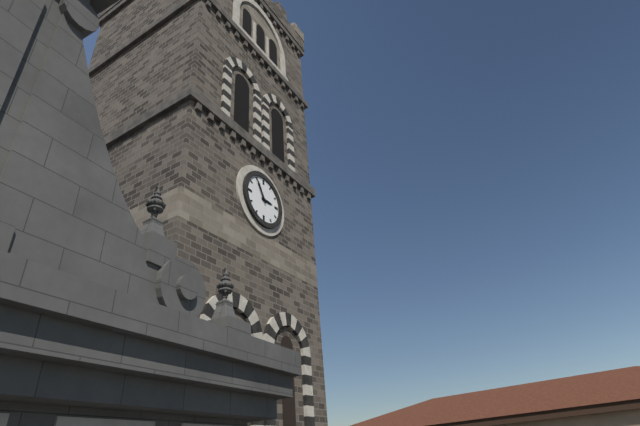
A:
2,55
